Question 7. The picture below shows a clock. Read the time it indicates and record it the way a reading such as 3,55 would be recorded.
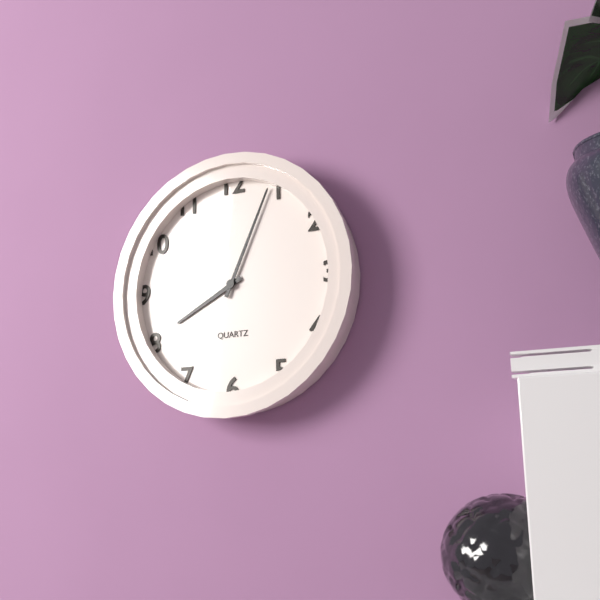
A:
8,04
